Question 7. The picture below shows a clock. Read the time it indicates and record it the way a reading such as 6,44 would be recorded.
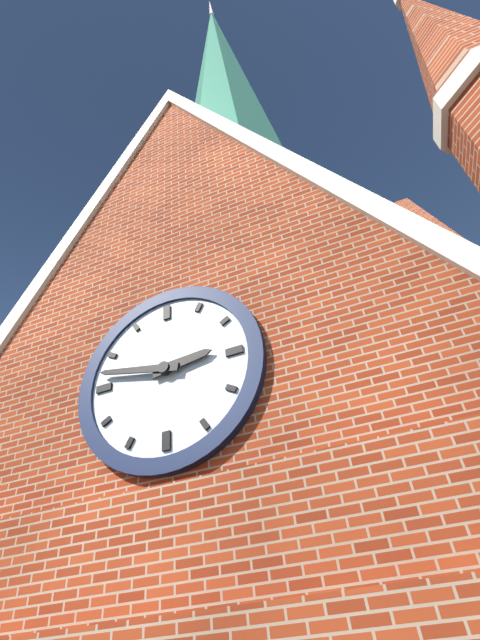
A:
2,47
